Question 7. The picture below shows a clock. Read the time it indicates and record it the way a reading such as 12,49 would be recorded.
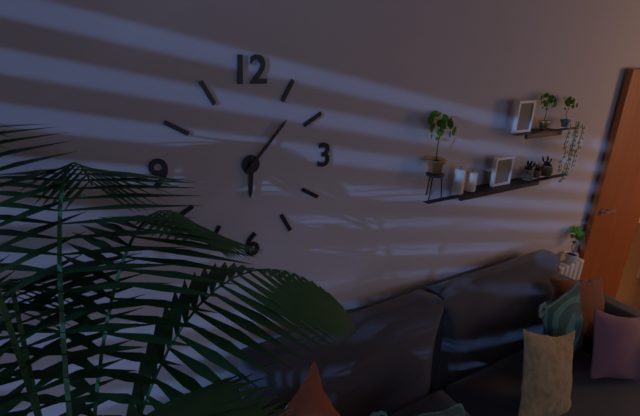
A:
6,07
